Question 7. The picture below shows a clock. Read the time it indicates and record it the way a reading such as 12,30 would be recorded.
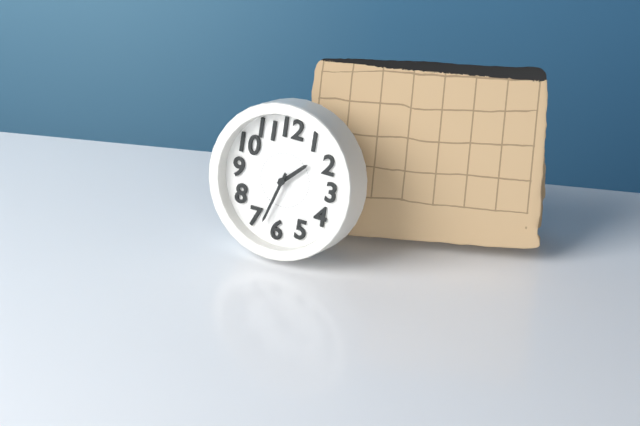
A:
1,33
